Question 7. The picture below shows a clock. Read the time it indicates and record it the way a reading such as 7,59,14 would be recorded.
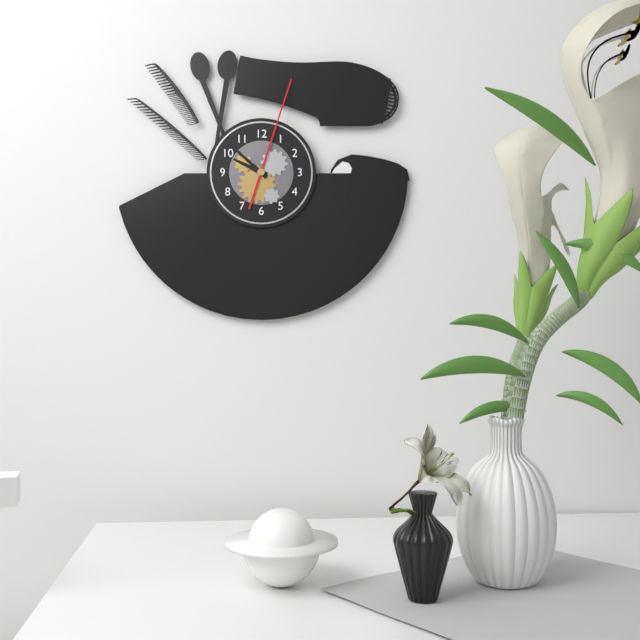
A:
9,52,03
